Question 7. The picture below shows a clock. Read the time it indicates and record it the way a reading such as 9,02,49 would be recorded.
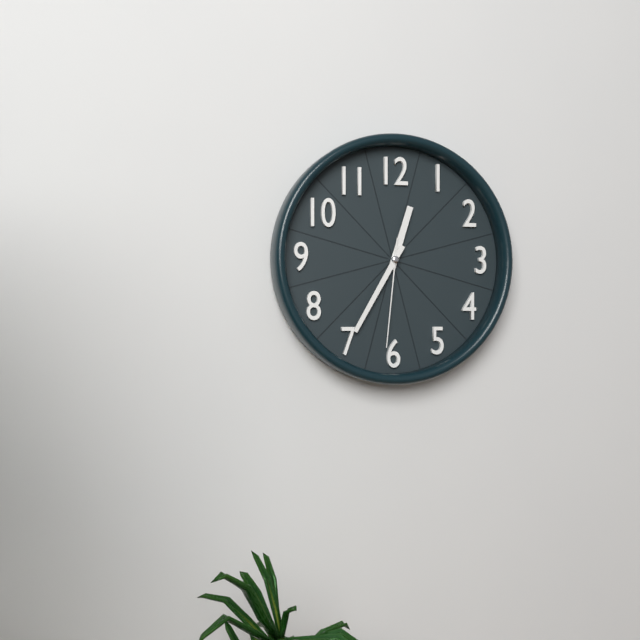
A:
12,35,31
